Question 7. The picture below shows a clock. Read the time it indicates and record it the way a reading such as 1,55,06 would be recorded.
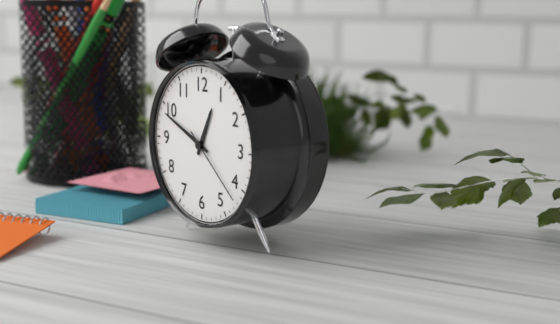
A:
12,49,22
